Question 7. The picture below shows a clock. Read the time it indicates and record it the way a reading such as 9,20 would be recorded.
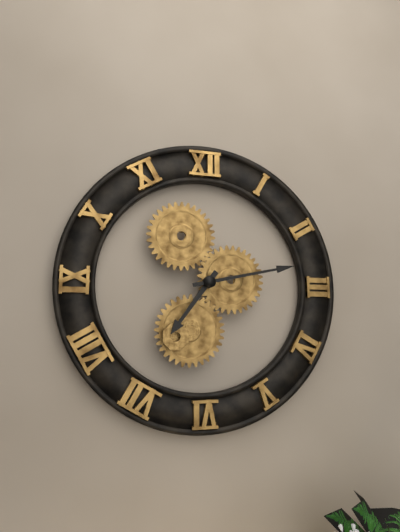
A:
7,13
